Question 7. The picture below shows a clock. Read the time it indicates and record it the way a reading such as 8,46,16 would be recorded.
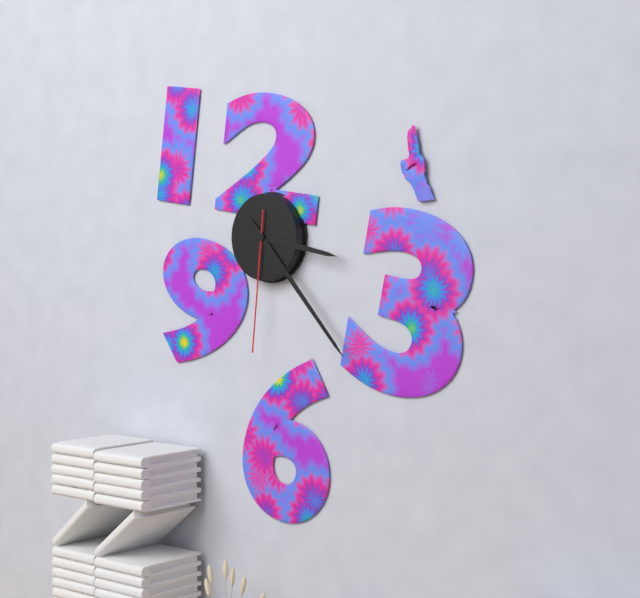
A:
3,23,31
